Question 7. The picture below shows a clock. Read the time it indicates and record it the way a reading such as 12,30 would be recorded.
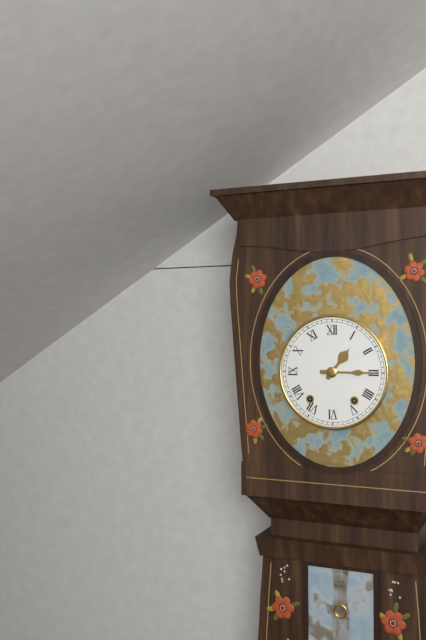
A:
1,15
